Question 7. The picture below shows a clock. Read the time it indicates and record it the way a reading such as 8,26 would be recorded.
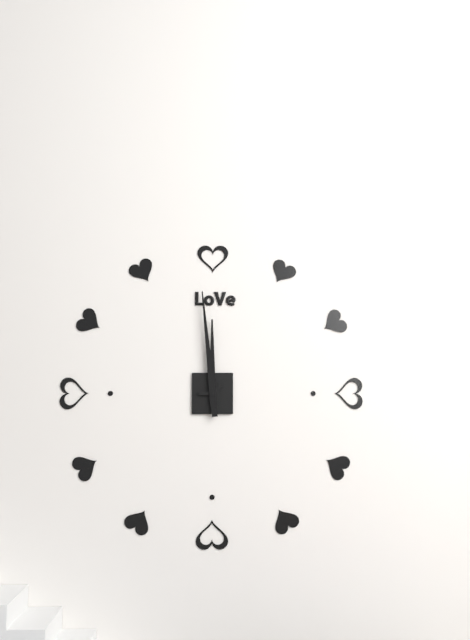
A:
11,59
